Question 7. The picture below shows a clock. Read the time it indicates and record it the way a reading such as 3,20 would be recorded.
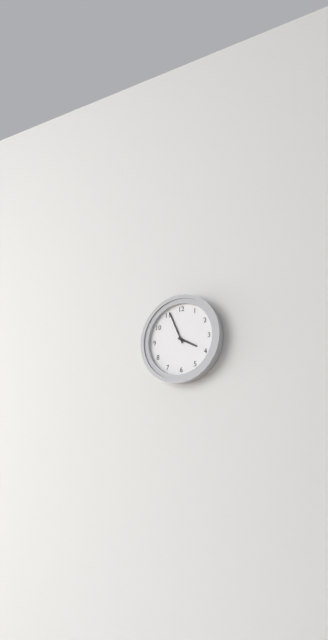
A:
3,56
